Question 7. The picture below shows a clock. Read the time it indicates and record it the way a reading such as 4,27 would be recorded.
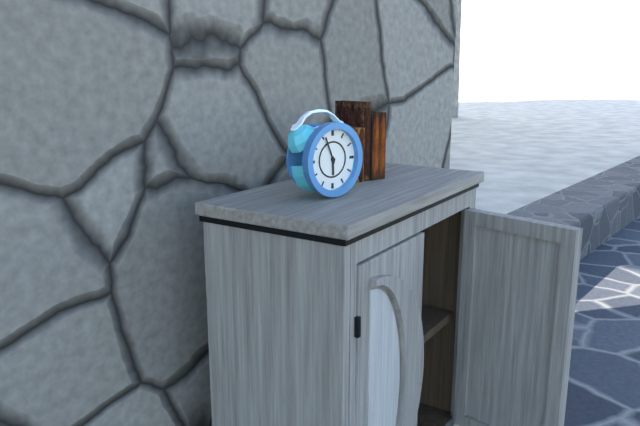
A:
5,56
